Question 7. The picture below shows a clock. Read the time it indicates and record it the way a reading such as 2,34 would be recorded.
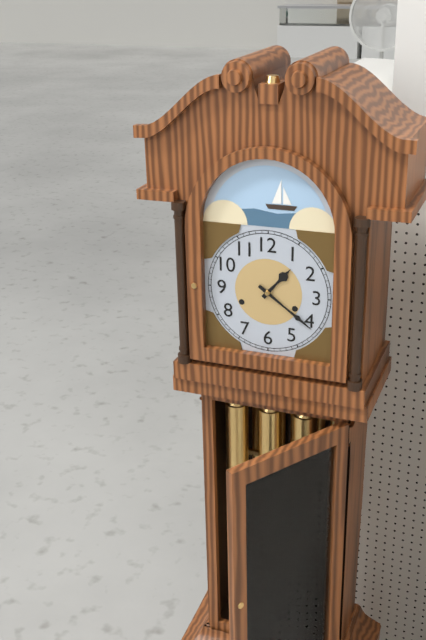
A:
1,21
